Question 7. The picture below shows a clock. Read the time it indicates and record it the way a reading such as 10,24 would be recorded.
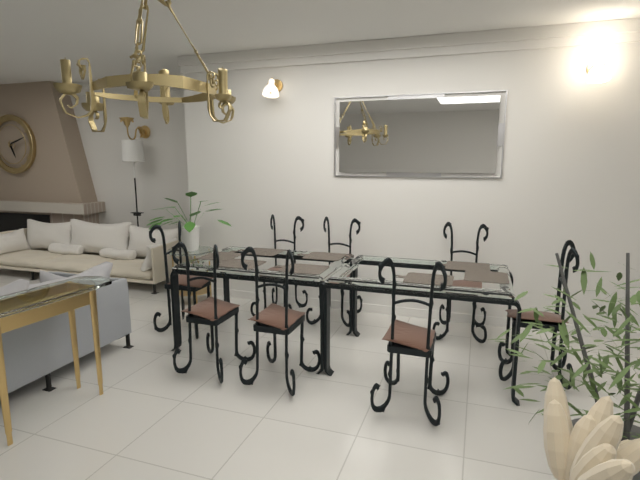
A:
5,12
